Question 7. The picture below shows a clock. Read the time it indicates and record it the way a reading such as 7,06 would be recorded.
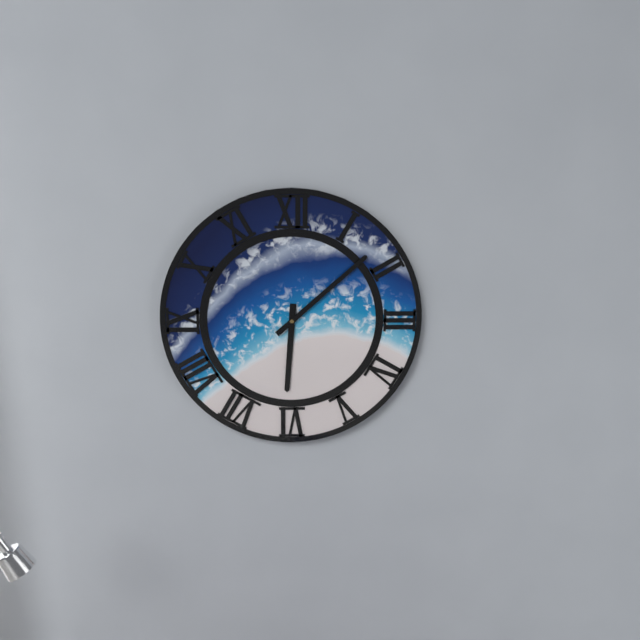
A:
6,08
